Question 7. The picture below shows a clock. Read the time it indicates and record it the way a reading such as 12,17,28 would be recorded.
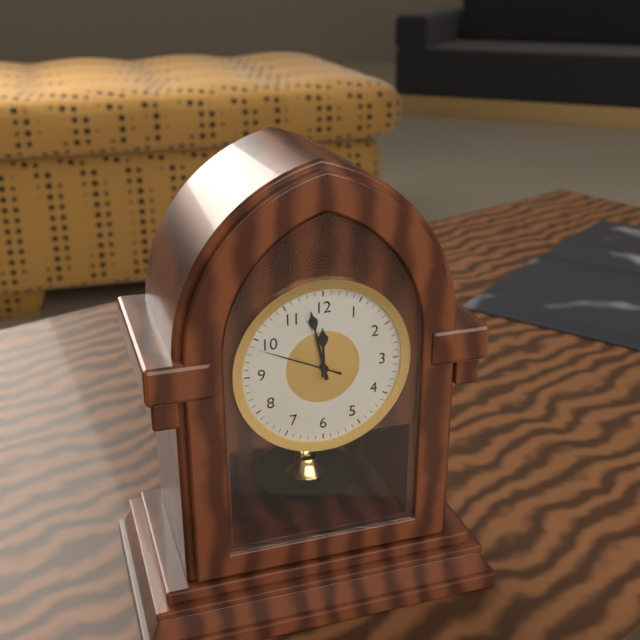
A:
11,58,49
